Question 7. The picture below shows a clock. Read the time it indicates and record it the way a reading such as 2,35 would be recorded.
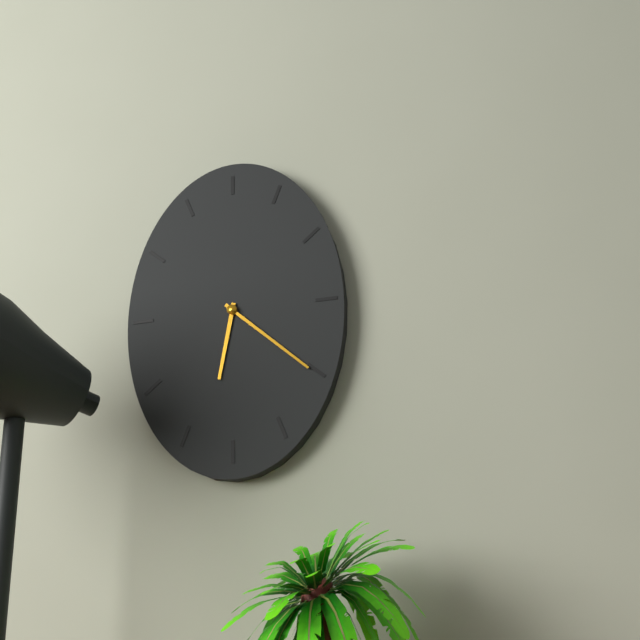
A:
6,22
